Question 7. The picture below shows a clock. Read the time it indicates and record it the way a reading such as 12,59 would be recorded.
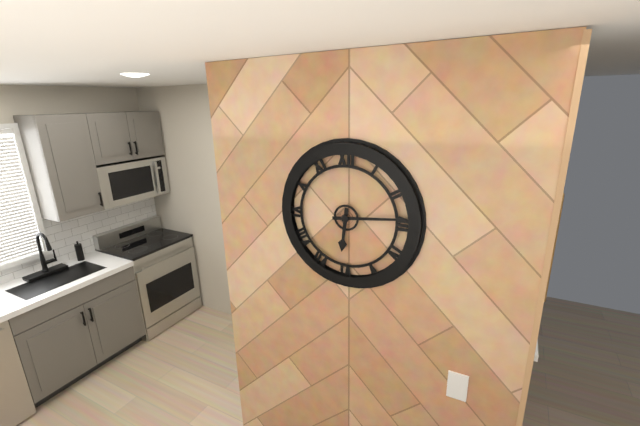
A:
6,14
